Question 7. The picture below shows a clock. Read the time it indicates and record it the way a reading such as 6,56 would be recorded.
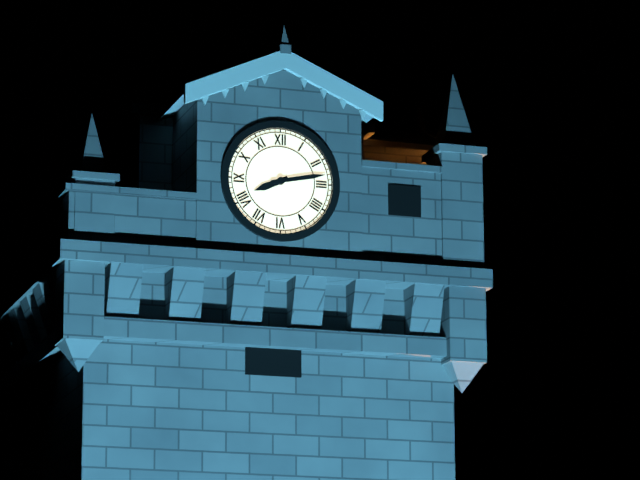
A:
8,13
